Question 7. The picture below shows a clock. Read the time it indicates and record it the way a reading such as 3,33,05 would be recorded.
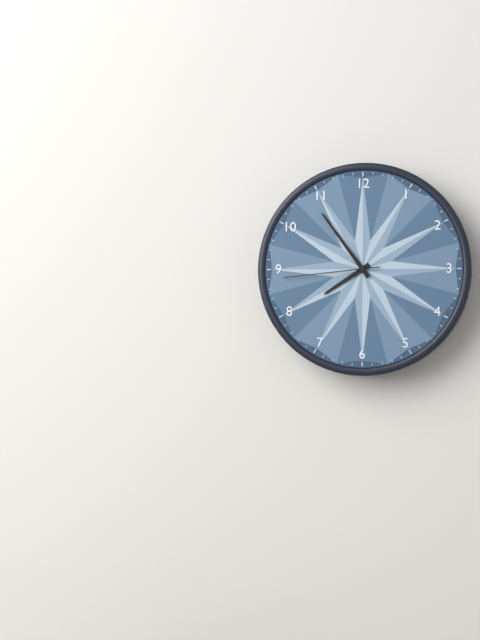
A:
7,54,44
